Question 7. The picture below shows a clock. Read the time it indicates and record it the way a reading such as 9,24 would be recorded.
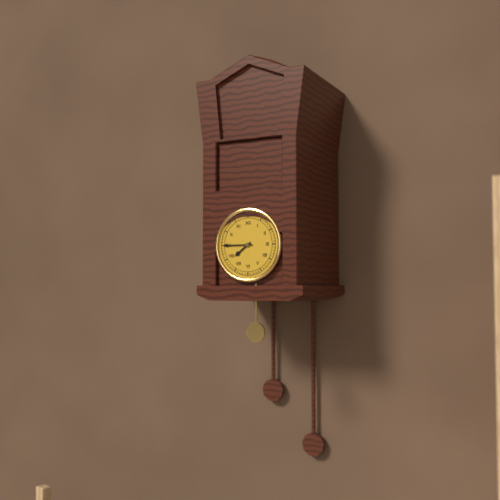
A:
7,45
